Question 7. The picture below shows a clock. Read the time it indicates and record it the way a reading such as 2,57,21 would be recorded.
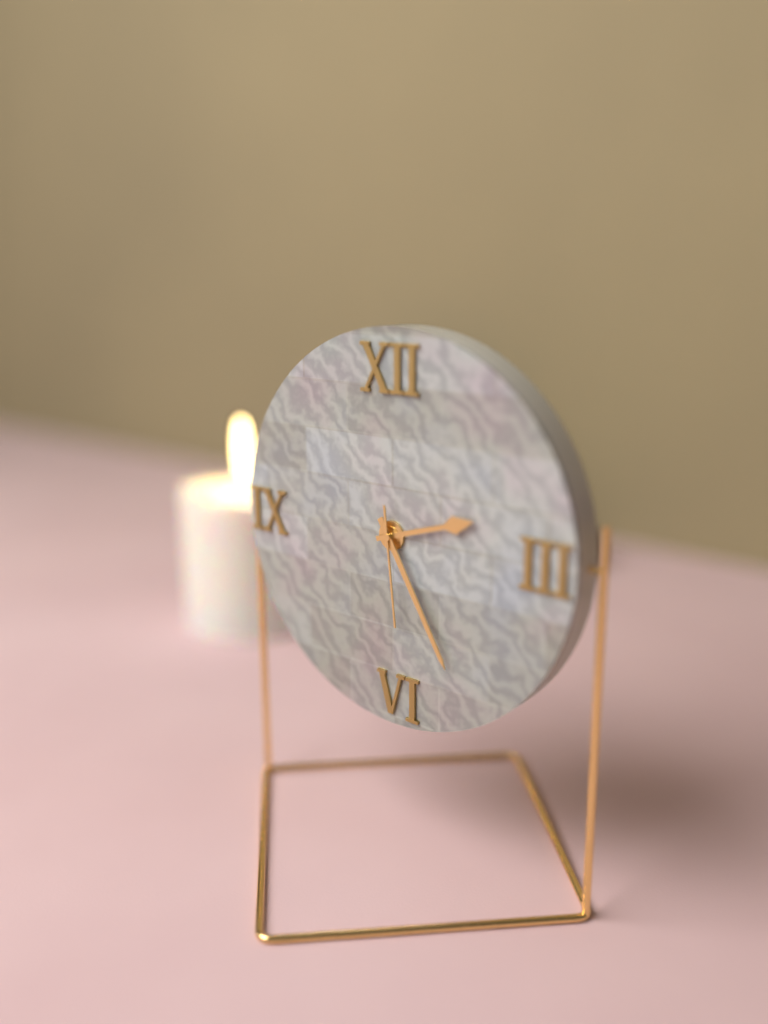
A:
2,25,29
